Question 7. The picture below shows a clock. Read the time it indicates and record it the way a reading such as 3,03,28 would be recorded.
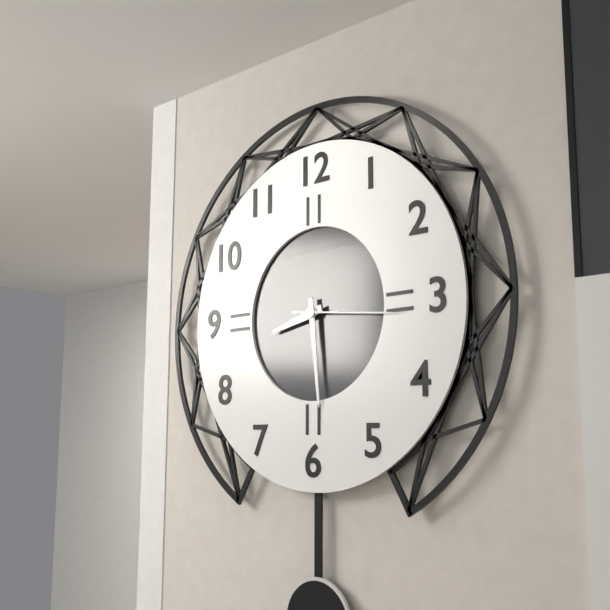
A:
8,29,16
